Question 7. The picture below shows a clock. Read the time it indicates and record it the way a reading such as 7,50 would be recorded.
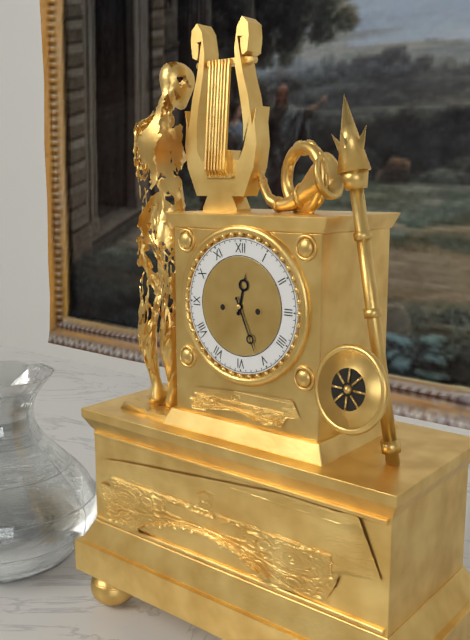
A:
12,26
